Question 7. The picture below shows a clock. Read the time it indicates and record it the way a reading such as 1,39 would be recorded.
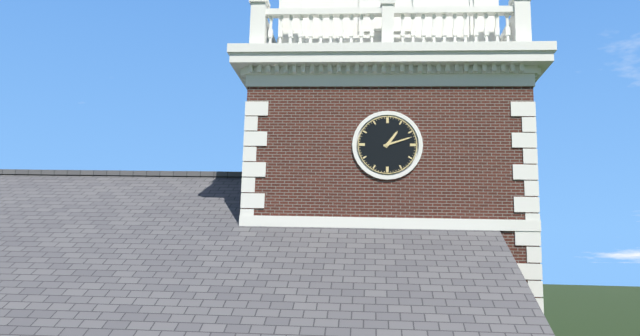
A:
1,12
